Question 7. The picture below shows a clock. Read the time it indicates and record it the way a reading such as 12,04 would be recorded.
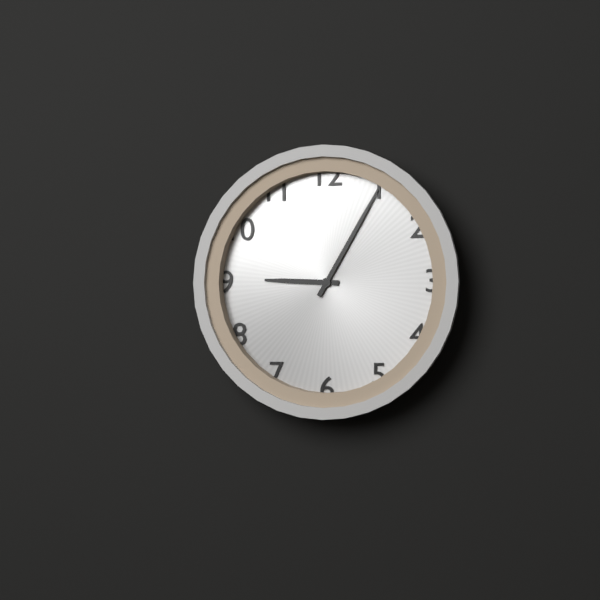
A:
9,05
